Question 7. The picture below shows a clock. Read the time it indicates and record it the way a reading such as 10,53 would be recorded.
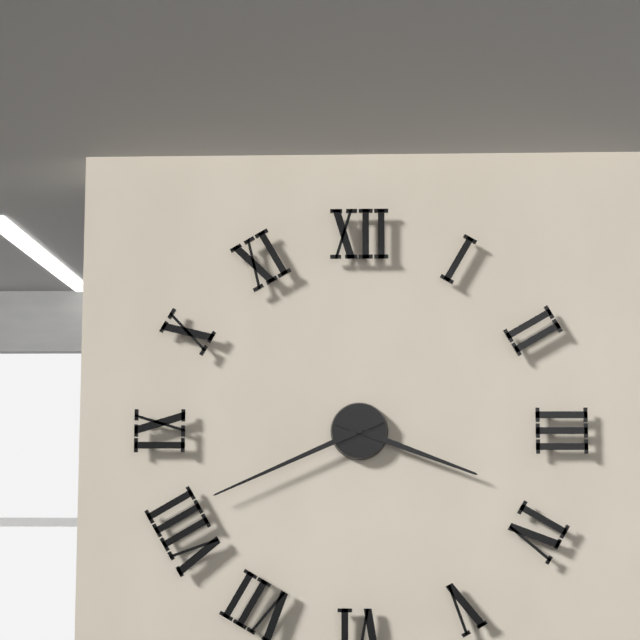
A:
3,41
